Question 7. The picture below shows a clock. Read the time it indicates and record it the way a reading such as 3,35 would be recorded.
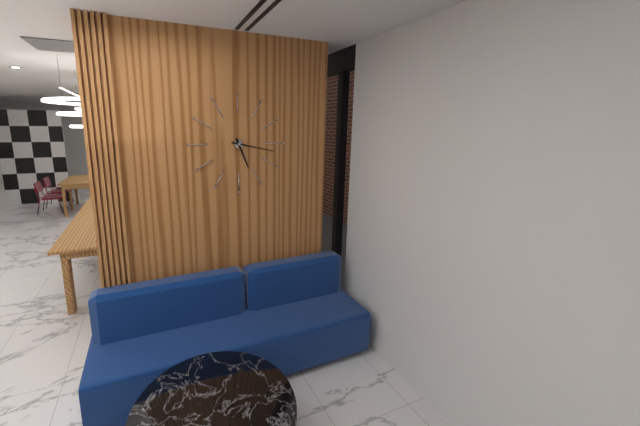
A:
5,17
